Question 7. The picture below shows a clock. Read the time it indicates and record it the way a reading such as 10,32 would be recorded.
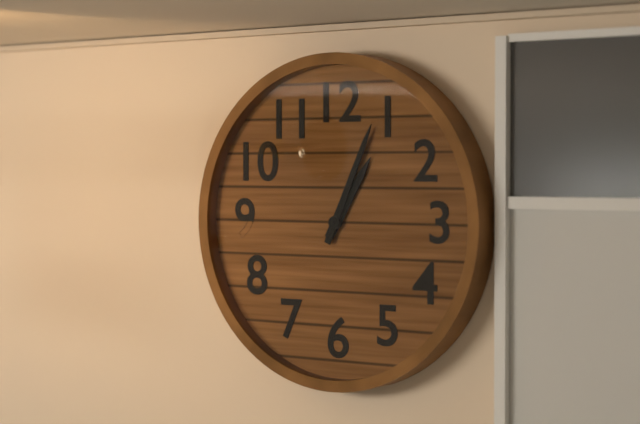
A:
1,04
